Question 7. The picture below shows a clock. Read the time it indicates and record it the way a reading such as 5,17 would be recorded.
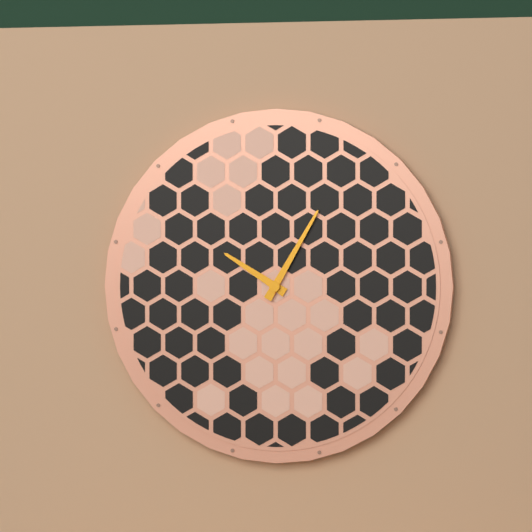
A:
10,05
